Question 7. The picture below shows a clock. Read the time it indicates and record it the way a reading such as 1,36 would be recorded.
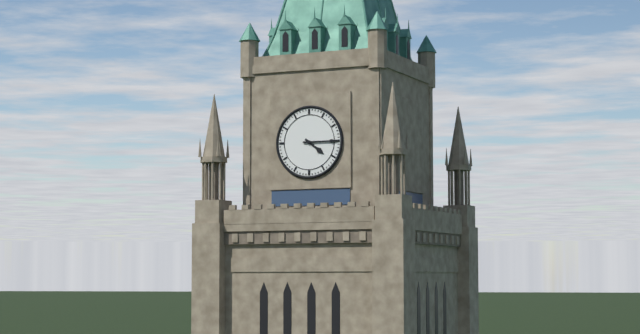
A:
4,15
